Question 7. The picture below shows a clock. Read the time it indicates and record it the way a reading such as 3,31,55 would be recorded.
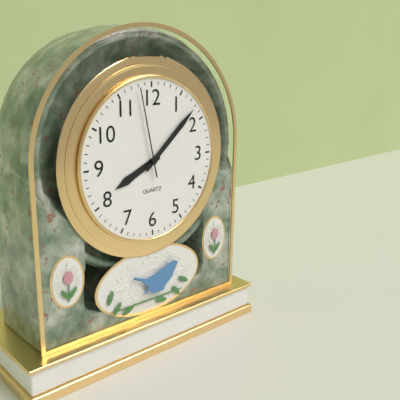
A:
8,08,58
